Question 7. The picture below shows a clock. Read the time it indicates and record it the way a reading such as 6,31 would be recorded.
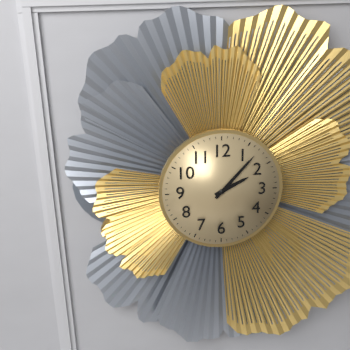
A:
2,07
